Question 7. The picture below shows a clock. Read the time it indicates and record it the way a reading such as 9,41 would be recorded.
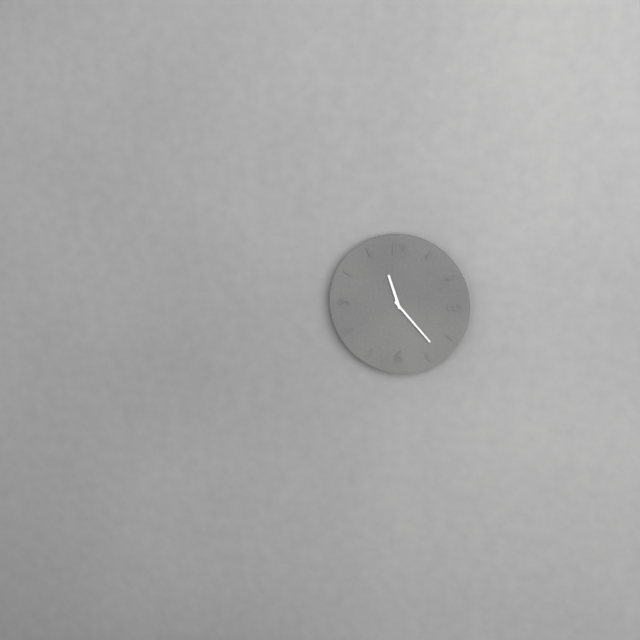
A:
11,23
